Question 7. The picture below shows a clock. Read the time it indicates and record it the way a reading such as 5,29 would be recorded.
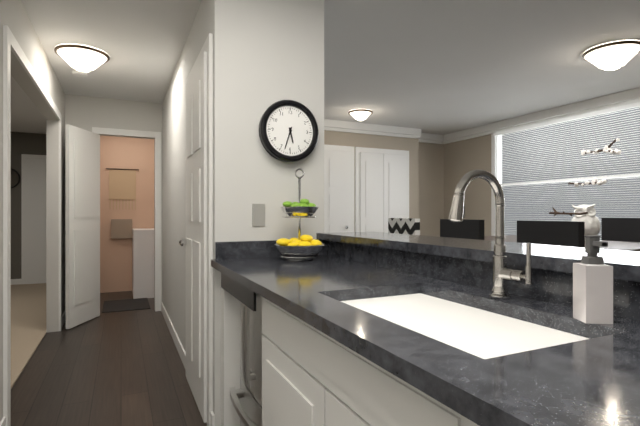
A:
5,33
